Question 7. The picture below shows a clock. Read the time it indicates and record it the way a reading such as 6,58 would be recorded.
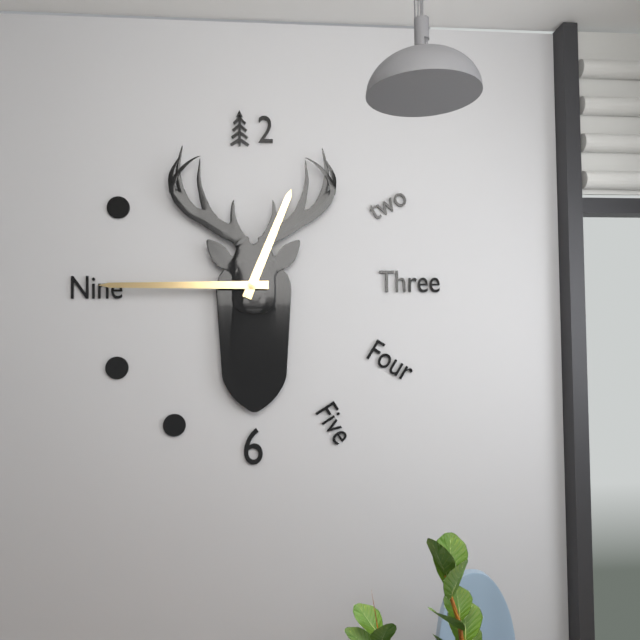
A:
12,45
